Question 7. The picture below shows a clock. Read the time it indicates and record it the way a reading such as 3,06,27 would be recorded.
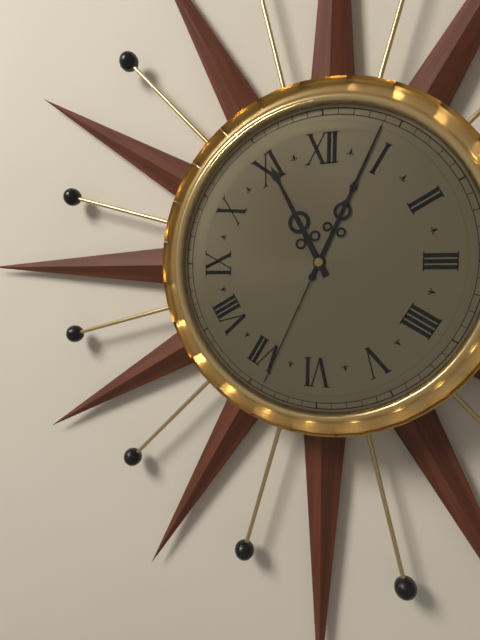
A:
11,04,34
